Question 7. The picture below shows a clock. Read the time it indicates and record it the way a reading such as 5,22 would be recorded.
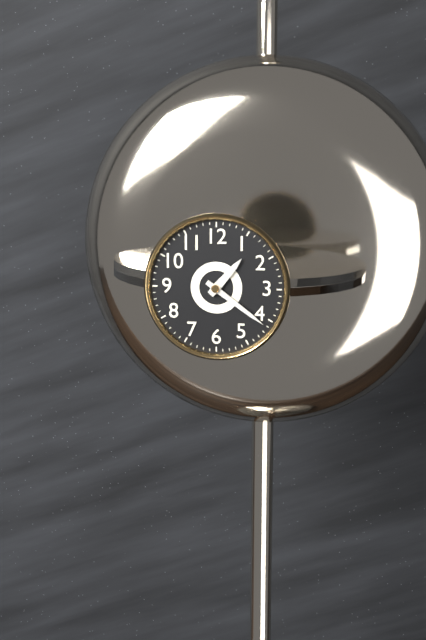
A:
1,21
